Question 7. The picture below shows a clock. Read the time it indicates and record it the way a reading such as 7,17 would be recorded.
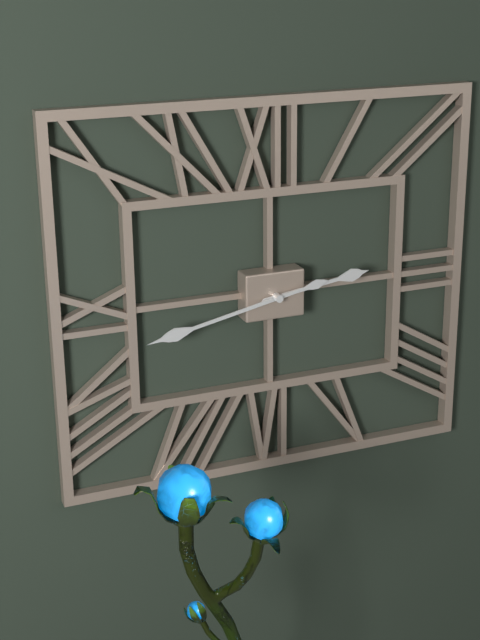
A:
2,43
